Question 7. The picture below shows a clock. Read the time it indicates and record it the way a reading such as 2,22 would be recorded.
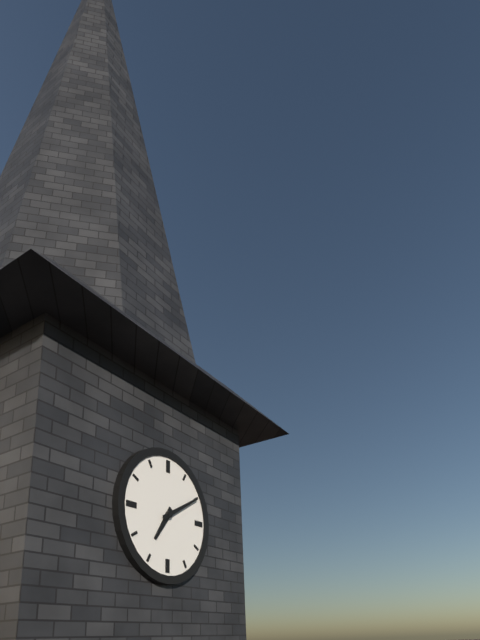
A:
7,10
